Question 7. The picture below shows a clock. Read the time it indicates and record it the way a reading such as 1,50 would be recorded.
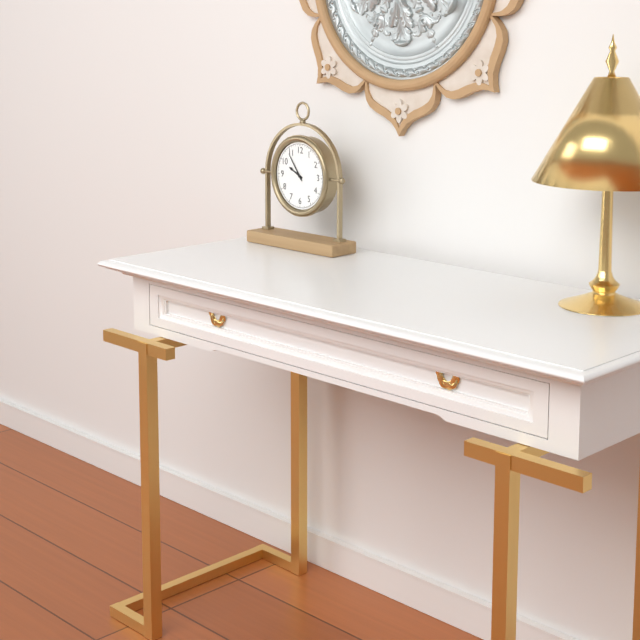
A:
9,54
